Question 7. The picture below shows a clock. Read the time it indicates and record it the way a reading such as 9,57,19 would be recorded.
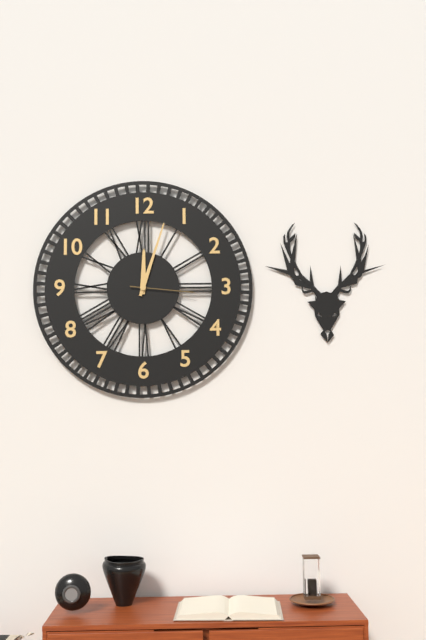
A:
12,03,16
